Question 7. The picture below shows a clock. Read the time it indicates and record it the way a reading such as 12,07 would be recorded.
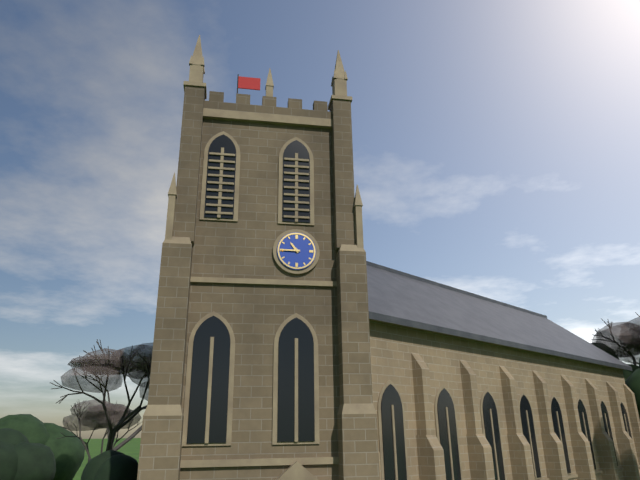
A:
10,45
